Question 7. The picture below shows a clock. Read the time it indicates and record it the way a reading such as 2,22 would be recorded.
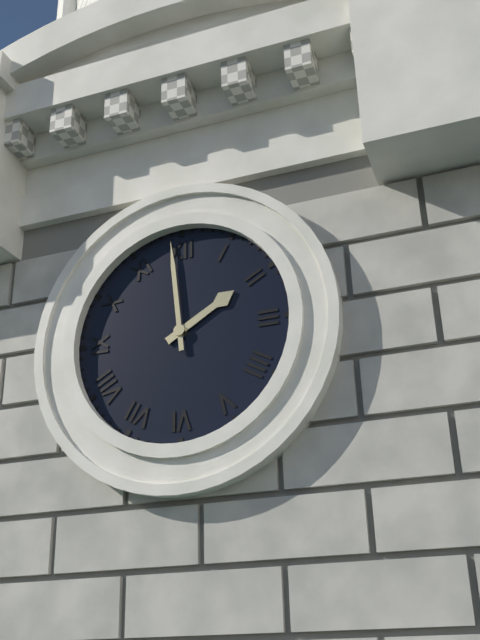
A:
1,59
